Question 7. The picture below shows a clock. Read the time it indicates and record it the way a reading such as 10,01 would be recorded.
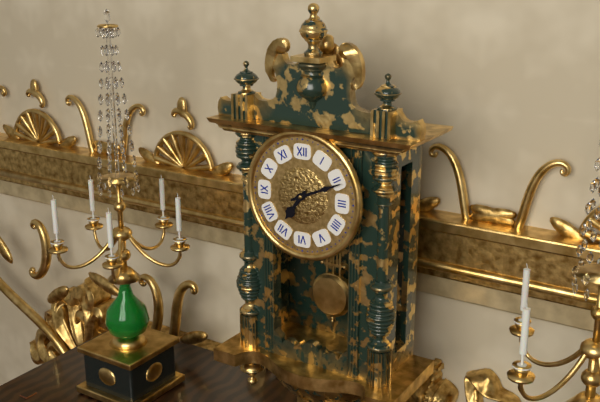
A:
7,11
